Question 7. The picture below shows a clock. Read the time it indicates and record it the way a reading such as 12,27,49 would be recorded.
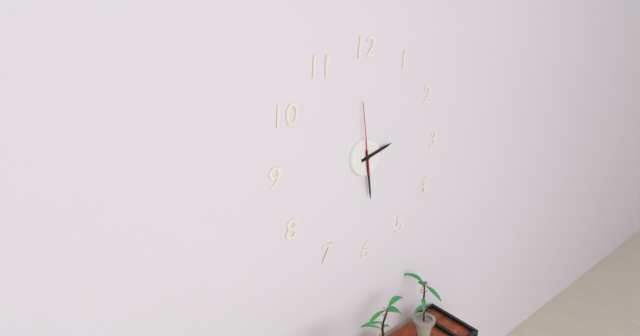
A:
2,29,59
